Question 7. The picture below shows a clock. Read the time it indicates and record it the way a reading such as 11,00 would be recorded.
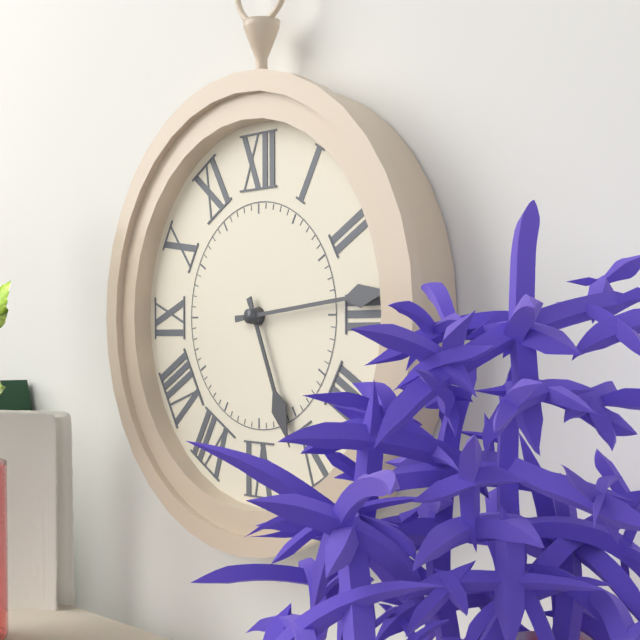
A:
5,14
